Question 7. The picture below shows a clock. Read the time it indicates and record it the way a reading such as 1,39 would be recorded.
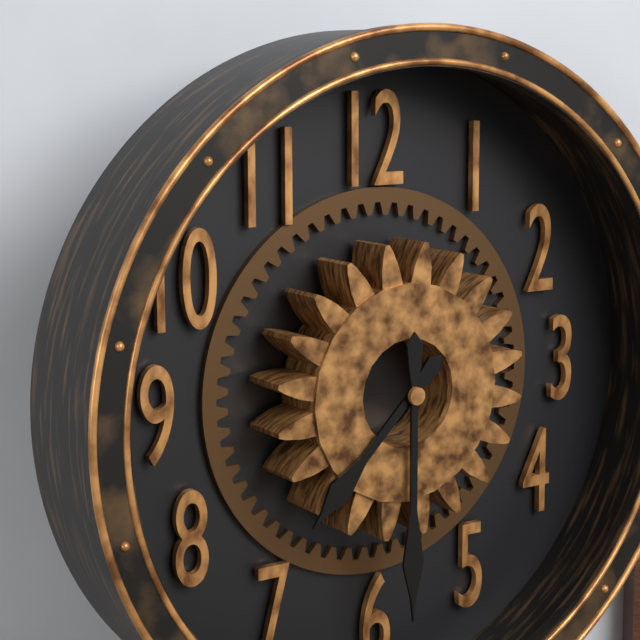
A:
7,30
